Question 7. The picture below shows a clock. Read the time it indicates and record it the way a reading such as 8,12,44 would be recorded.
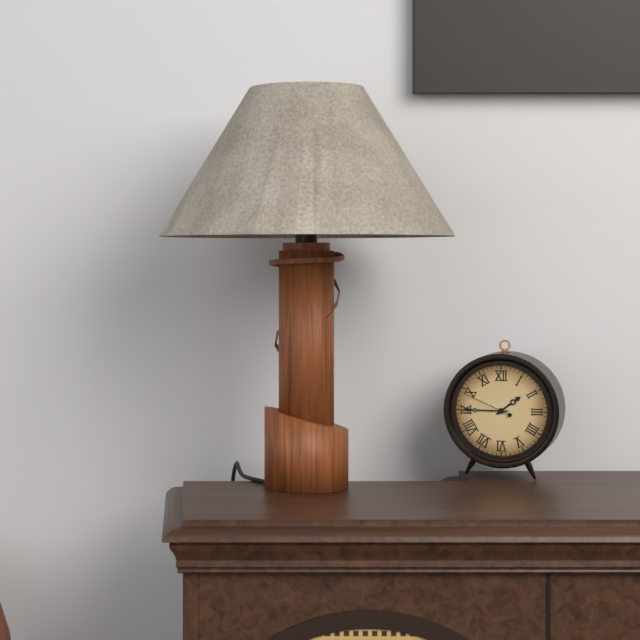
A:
1,45,49
